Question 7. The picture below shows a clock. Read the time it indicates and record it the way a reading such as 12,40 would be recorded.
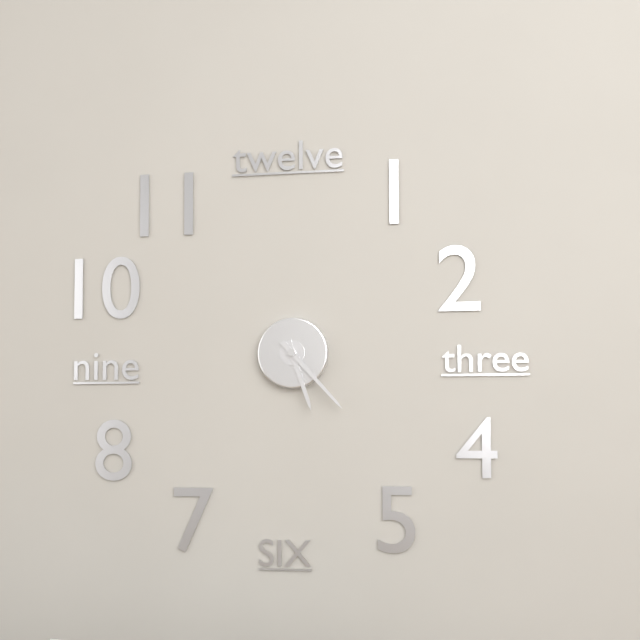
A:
5,23
